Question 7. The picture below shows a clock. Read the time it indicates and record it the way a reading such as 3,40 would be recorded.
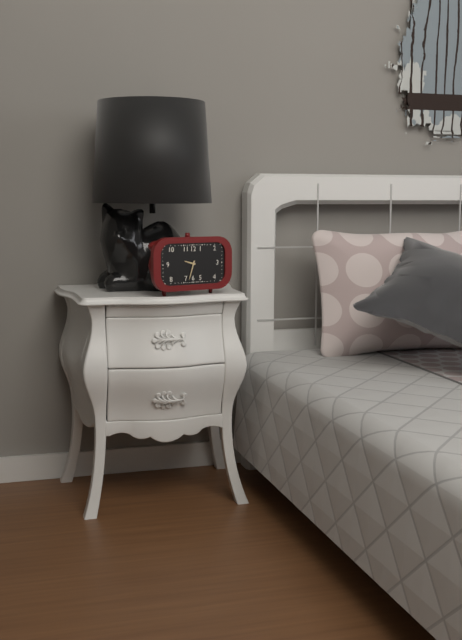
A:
9,33
